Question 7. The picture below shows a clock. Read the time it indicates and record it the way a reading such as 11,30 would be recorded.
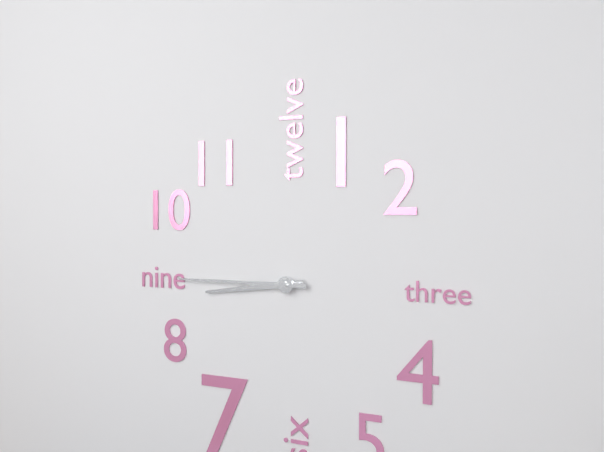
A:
8,45
